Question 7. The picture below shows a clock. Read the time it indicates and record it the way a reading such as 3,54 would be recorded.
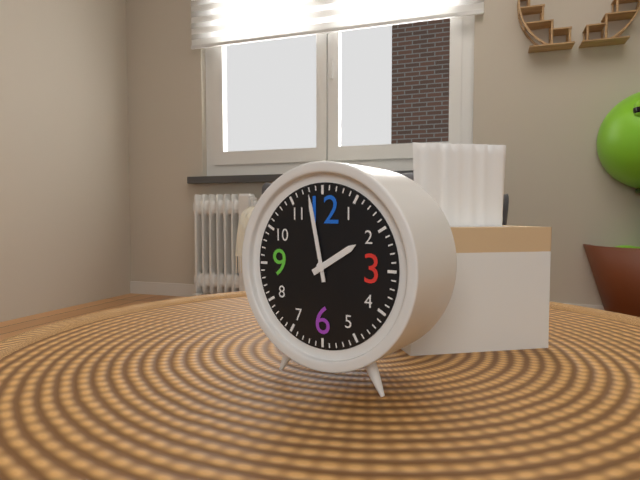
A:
1,58
